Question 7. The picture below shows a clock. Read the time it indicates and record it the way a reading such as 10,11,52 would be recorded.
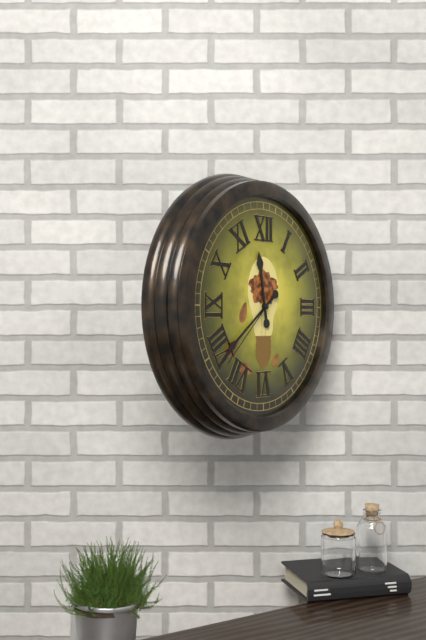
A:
11,39,38
